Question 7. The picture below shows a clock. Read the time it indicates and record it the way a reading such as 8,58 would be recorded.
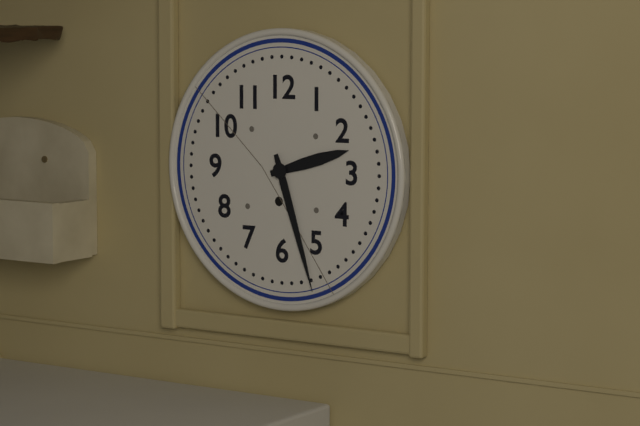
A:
2,27
